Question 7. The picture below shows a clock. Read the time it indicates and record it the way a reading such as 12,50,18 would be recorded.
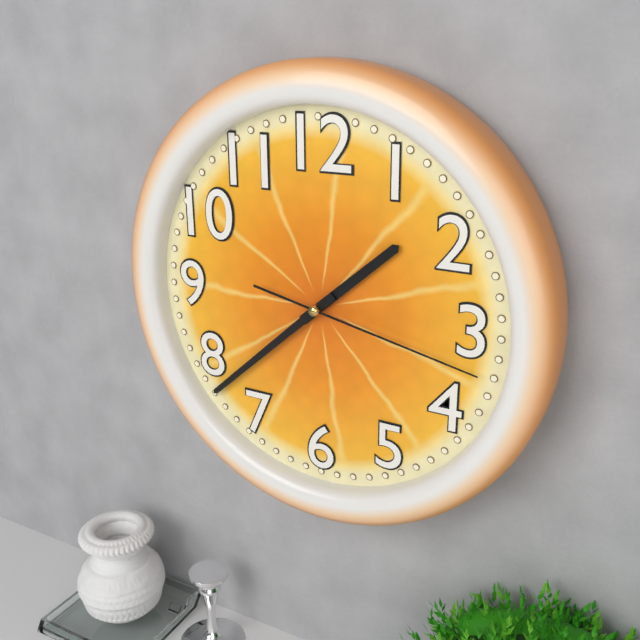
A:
1,38,17
